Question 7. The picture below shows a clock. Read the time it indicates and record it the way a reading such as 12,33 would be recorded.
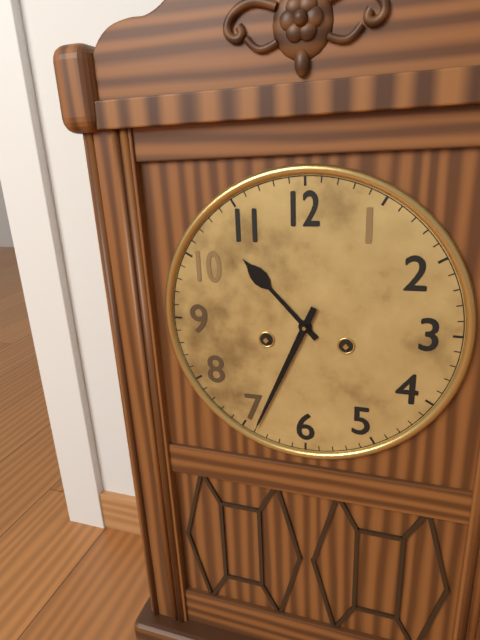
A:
10,34
